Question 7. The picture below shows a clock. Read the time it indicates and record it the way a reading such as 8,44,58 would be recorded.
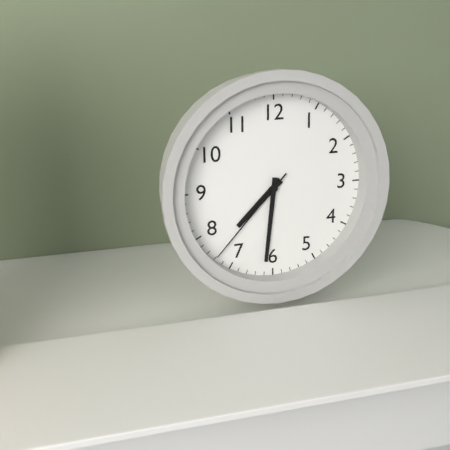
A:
7,31,37
